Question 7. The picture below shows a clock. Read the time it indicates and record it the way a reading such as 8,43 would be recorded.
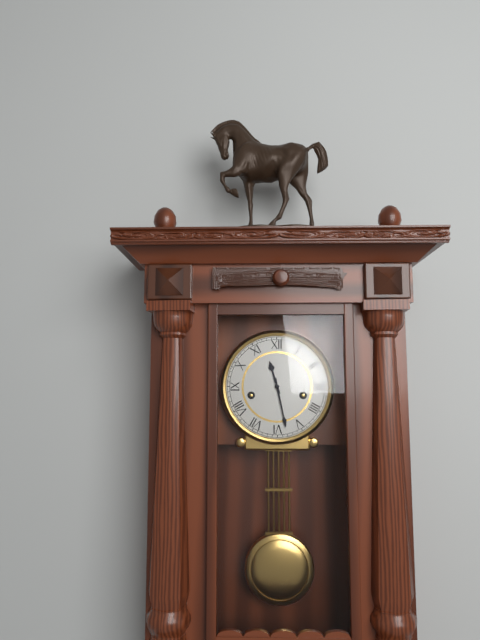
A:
11,28
